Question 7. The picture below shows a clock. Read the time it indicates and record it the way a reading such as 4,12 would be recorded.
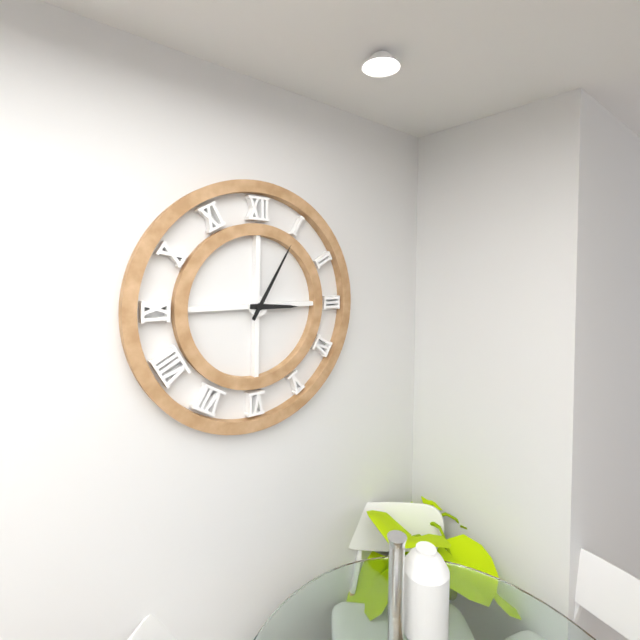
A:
3,05
